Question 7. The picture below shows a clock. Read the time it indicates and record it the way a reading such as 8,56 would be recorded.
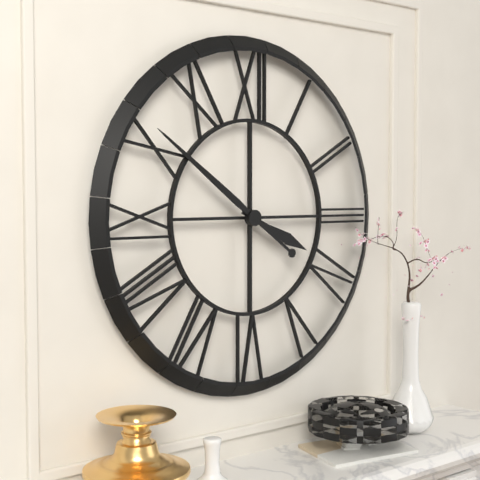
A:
3,51
